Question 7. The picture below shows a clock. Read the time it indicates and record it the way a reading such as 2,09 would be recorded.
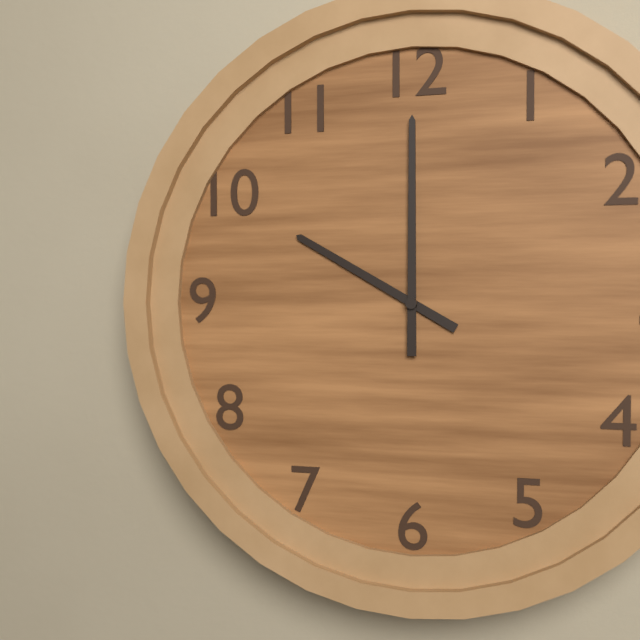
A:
10,00
